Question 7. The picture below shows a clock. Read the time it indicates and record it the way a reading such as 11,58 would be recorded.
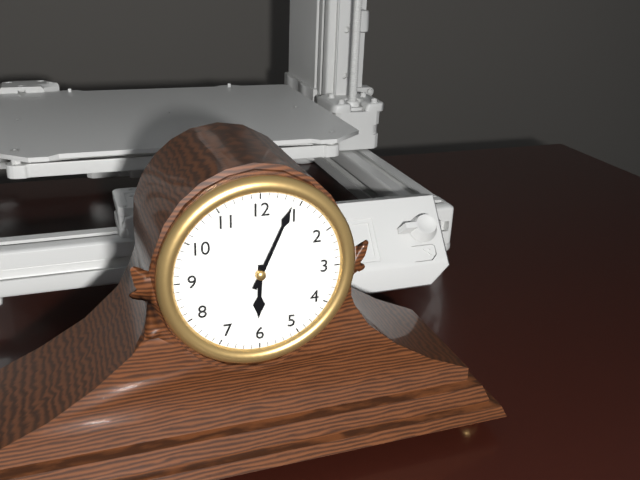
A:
6,04
